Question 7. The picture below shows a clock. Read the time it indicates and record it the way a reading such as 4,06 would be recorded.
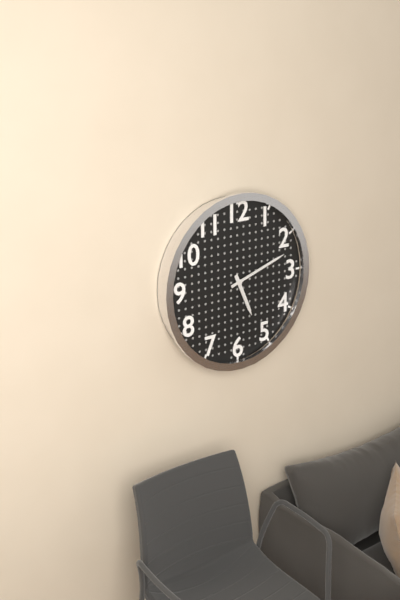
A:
5,12
